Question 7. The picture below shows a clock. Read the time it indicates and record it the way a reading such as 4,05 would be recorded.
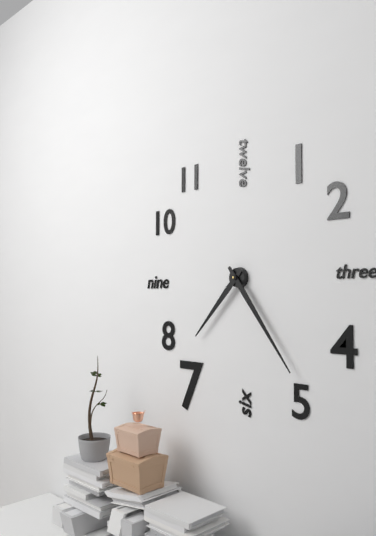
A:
7,24
